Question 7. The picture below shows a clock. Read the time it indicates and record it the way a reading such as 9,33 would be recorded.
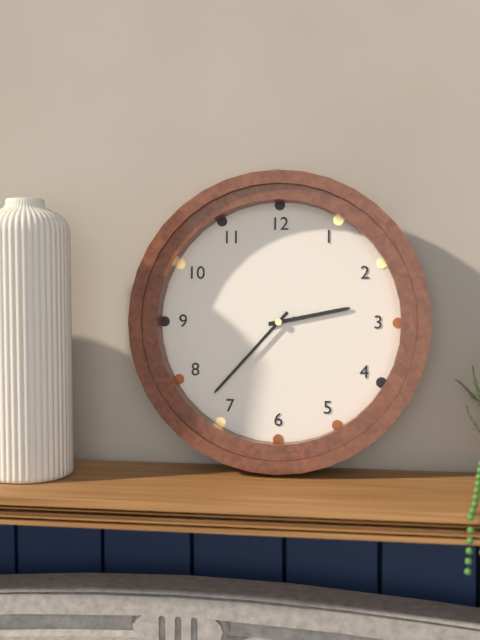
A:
2,37
